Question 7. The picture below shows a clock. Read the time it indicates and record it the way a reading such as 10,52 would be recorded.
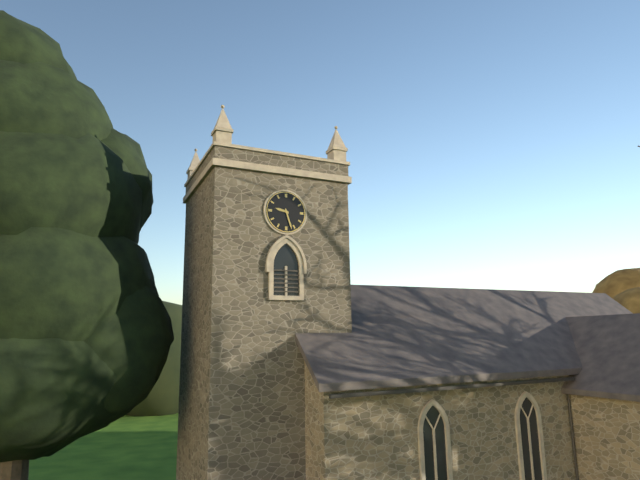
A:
9,27
